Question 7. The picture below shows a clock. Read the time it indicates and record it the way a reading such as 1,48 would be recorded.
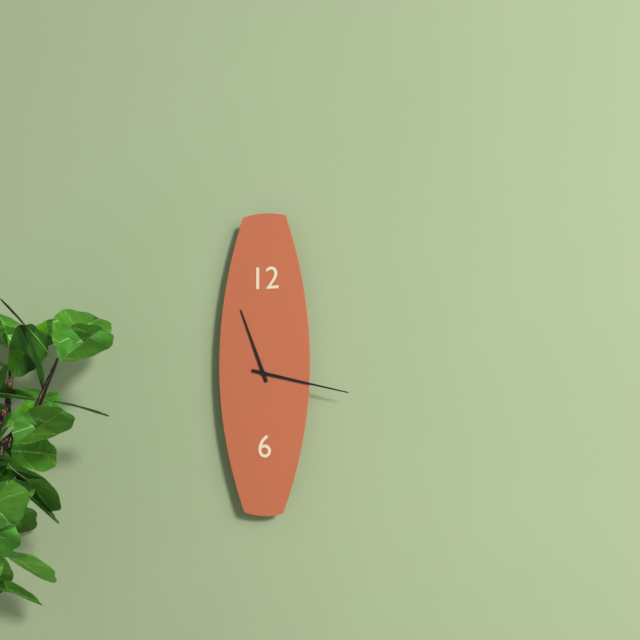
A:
11,17
